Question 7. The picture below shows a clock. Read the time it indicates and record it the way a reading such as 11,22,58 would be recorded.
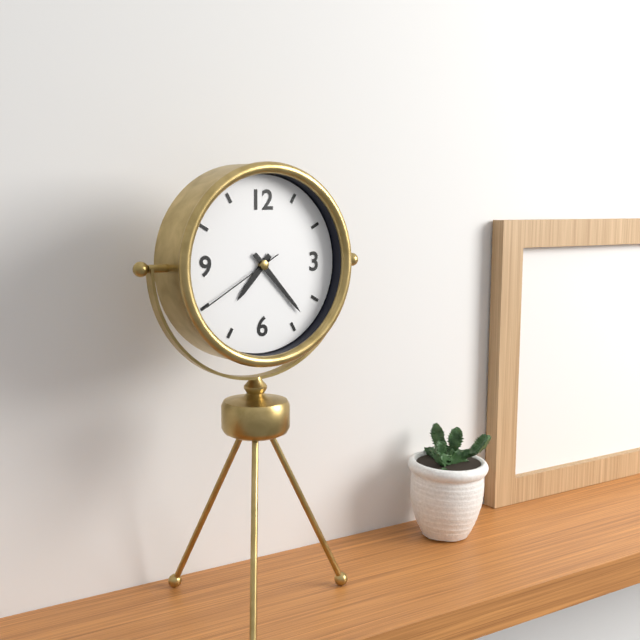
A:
7,23,40
